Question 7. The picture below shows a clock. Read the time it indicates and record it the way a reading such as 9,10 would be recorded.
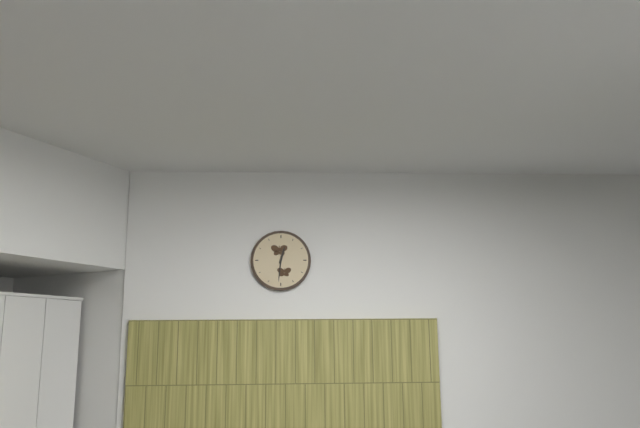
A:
12,31
